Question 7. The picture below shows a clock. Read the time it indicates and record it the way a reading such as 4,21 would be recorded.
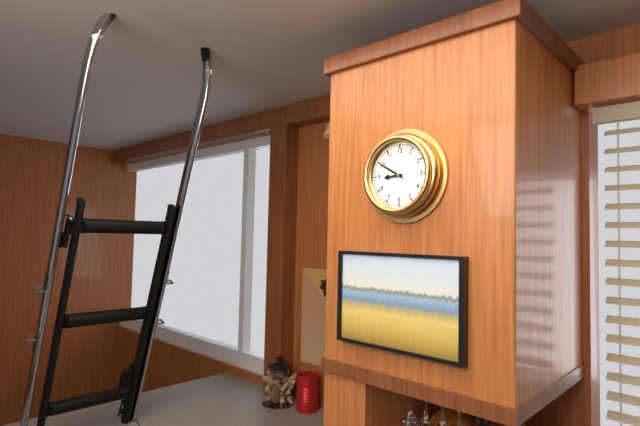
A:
8,50
